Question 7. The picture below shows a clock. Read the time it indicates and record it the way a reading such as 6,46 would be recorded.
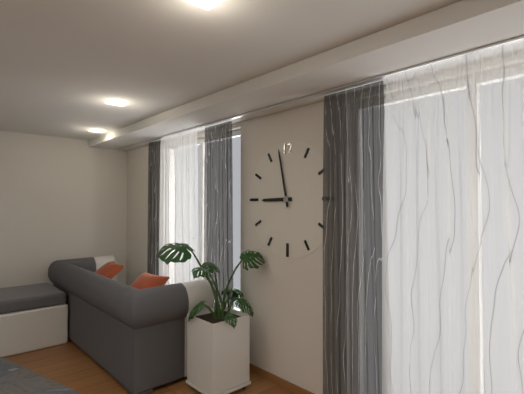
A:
8,58
